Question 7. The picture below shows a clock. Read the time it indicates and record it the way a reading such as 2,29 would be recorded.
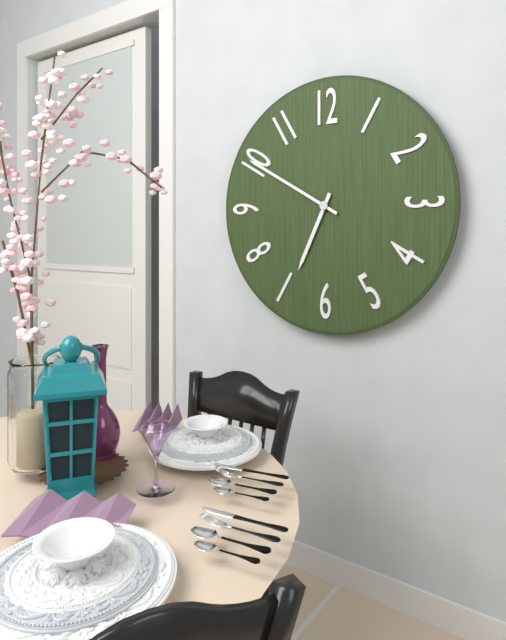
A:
6,50
